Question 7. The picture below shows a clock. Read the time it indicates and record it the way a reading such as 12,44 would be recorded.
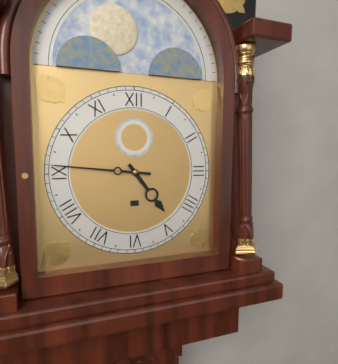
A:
4,46
